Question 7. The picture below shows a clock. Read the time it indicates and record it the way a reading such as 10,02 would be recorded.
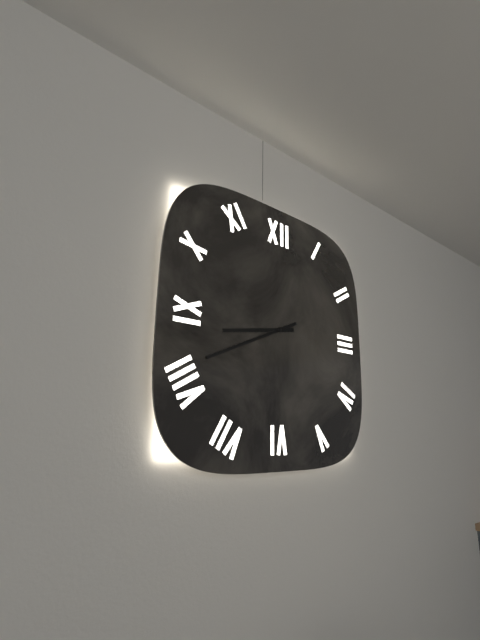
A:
8,41
